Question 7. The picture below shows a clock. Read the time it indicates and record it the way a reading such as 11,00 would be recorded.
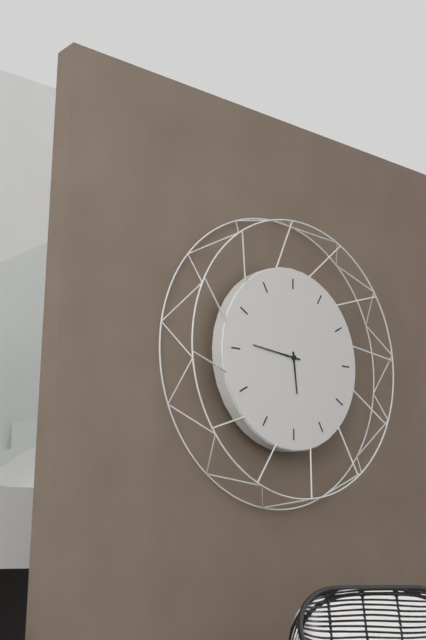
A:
5,46
